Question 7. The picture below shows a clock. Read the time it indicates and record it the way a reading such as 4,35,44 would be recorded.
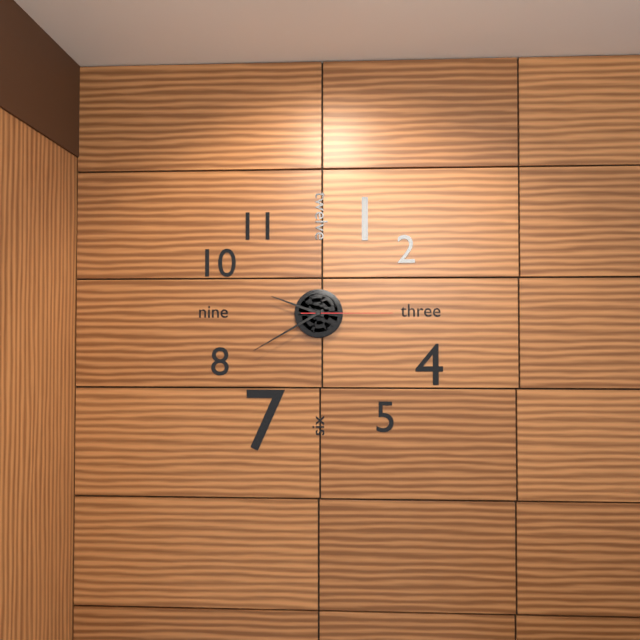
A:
9,40,15
